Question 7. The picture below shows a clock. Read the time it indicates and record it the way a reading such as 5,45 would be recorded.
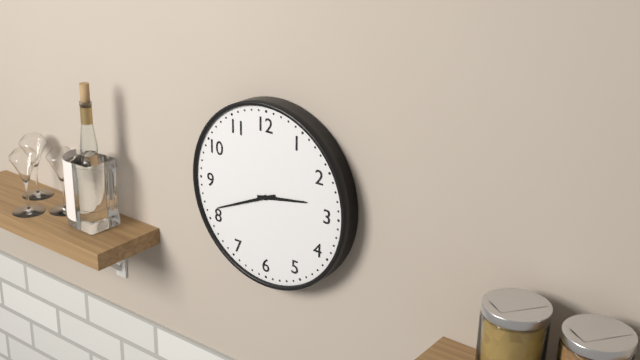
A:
2,41
